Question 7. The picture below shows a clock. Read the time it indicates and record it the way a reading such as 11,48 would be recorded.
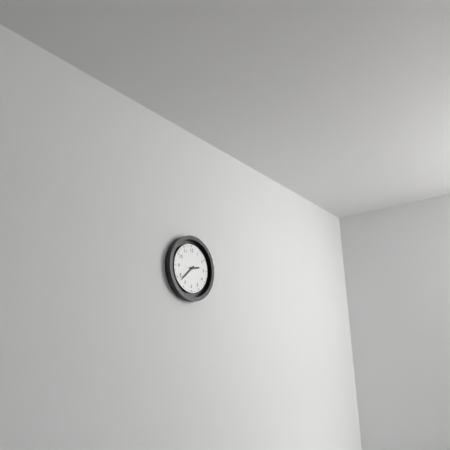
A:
2,38
